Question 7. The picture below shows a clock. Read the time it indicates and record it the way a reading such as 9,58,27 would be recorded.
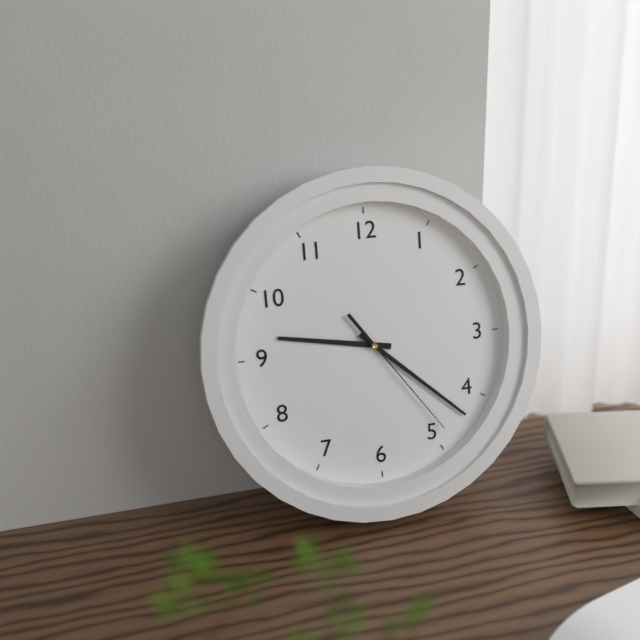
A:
9,22,24
